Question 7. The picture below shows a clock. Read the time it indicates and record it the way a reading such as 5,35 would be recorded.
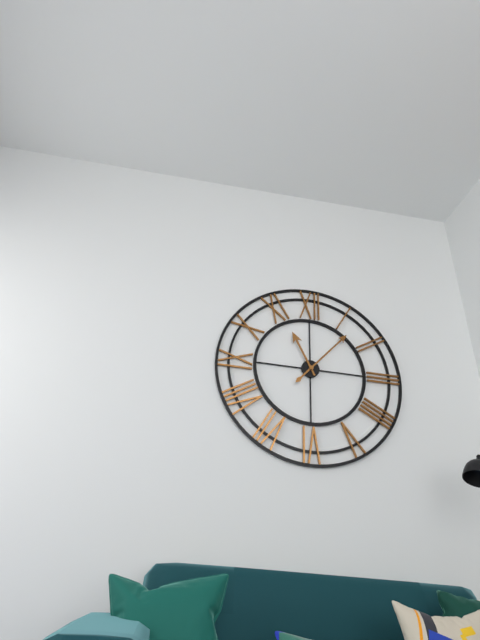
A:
11,07
